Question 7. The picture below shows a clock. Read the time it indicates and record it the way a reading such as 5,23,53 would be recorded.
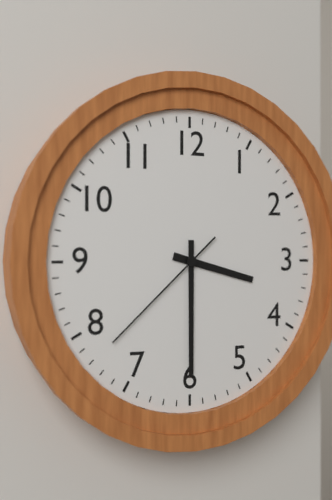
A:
3,30,38
